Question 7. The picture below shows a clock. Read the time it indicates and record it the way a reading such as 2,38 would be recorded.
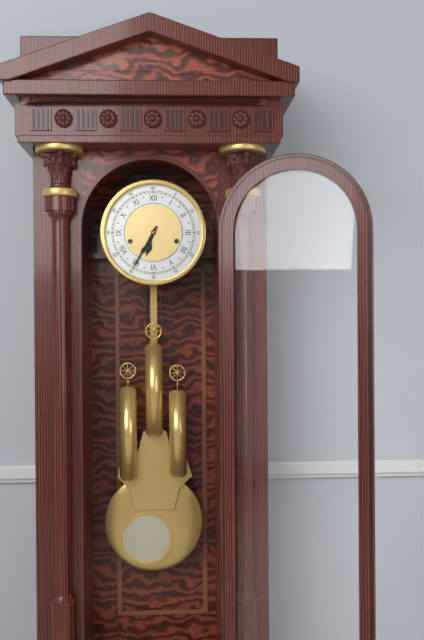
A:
6,35
